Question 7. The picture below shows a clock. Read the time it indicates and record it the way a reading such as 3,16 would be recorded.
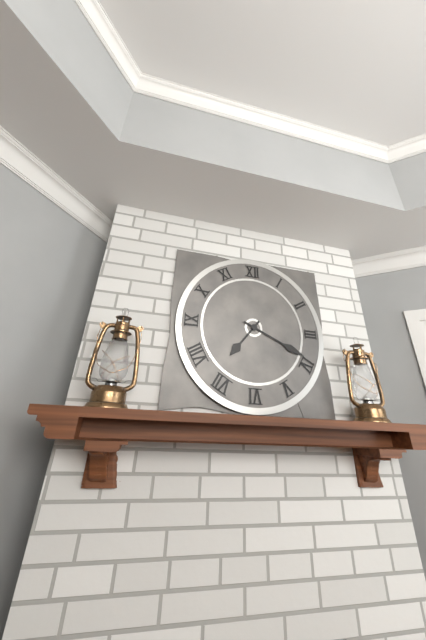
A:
7,19
